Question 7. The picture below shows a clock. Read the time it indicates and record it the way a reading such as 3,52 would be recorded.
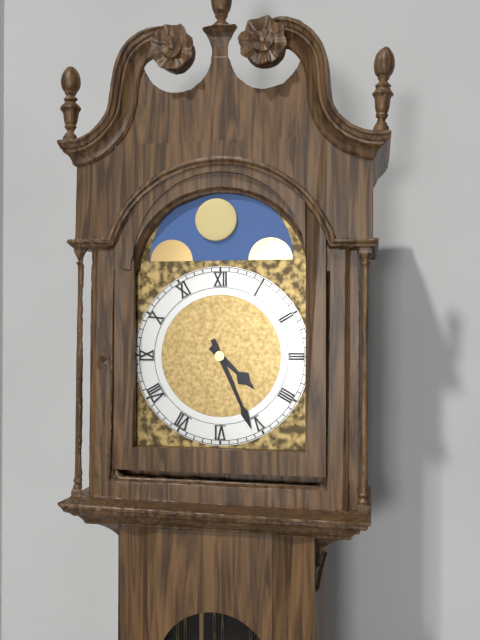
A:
4,26
